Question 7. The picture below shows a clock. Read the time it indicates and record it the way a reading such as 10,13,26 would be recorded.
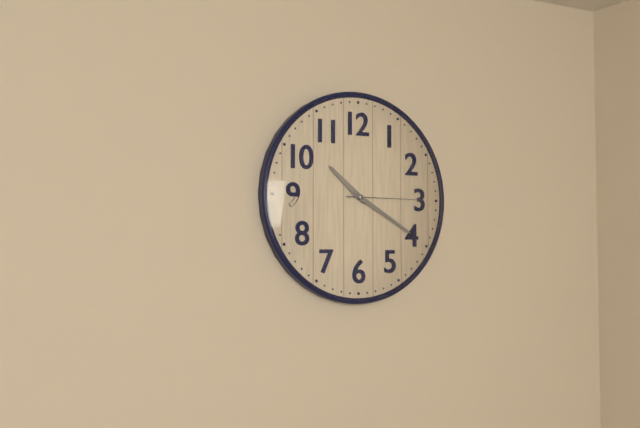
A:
10,20,15
